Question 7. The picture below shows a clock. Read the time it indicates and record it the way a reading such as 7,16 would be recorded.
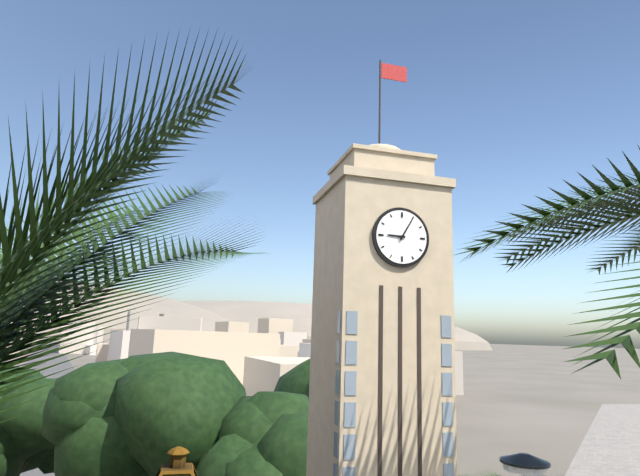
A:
9,05
